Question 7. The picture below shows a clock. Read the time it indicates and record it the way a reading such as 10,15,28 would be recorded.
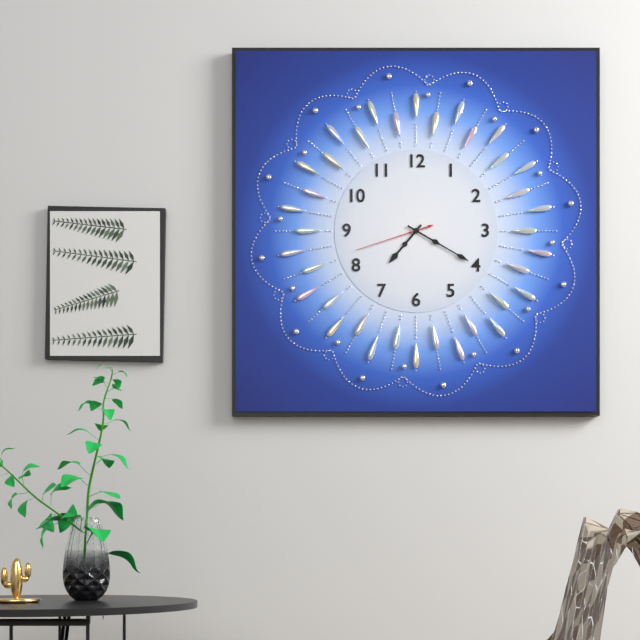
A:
7,20,42
